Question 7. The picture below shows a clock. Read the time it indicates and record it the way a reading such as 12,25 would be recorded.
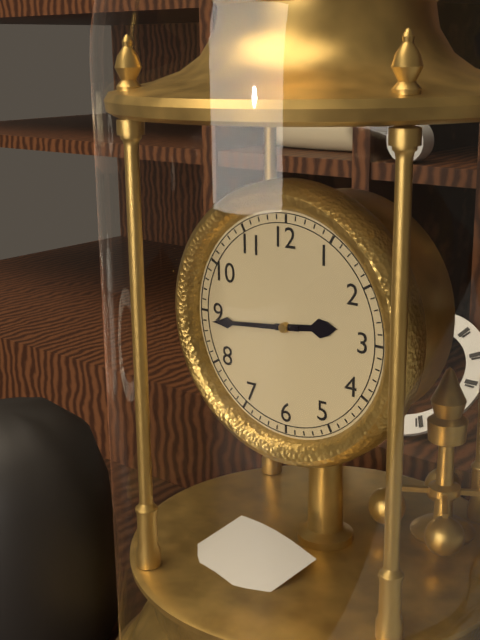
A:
2,44
